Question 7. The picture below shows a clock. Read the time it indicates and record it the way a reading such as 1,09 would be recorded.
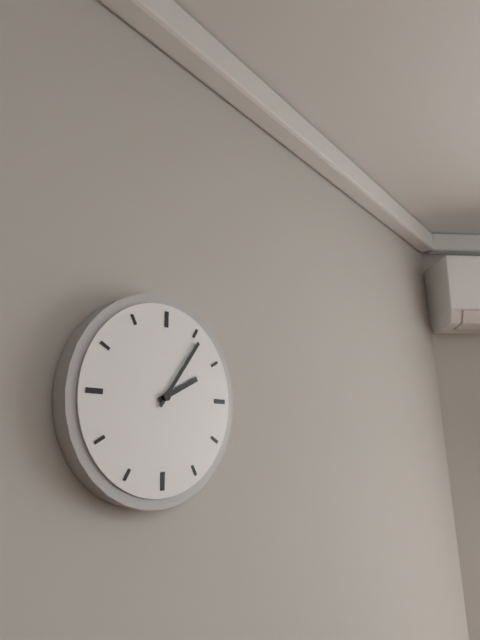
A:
2,06
